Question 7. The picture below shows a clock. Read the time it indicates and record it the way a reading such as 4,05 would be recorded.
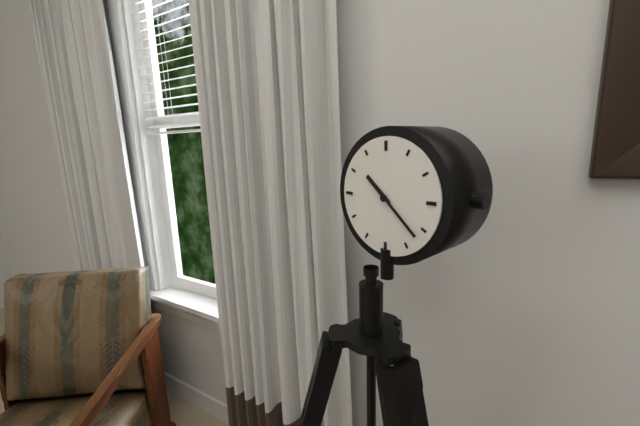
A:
10,22
